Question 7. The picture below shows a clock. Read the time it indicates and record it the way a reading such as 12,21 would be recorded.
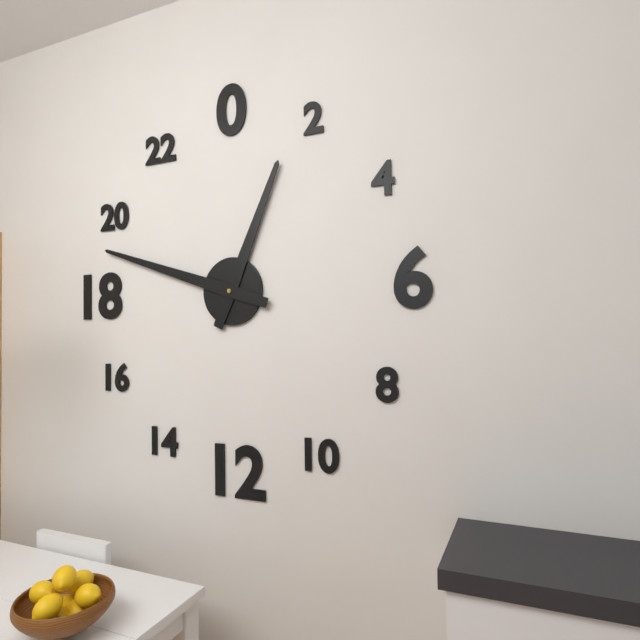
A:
12,48
